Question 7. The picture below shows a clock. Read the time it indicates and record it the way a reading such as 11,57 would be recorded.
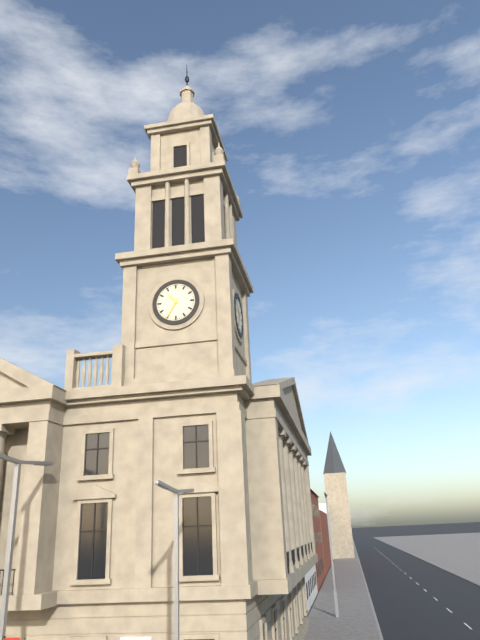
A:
10,35
